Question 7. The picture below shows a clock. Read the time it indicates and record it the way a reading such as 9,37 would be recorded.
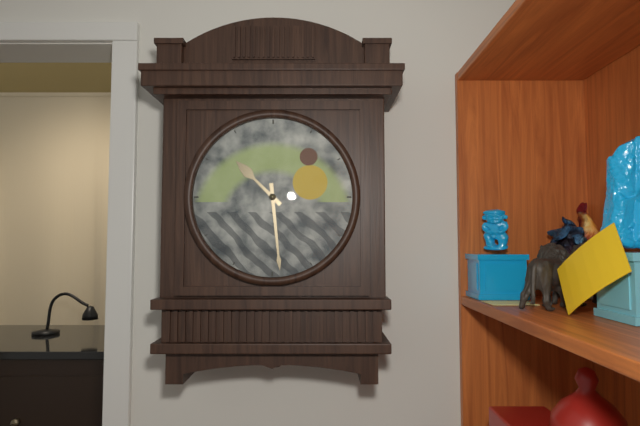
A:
10,29
